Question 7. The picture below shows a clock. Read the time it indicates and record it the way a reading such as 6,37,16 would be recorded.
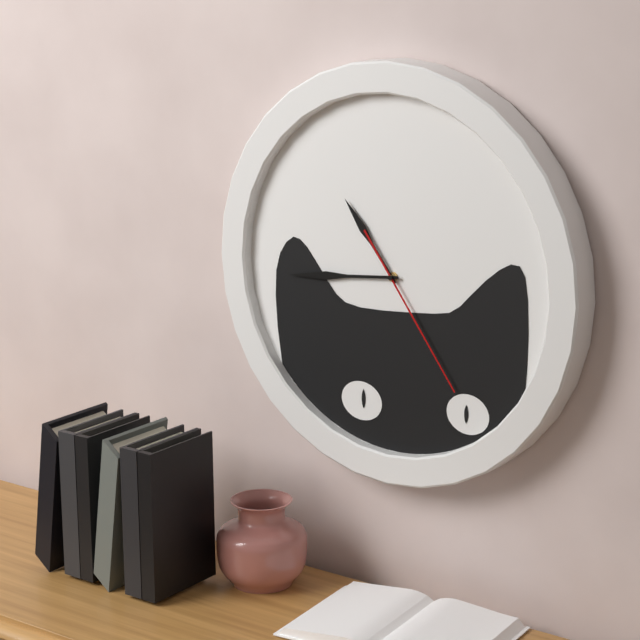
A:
10,44,24
